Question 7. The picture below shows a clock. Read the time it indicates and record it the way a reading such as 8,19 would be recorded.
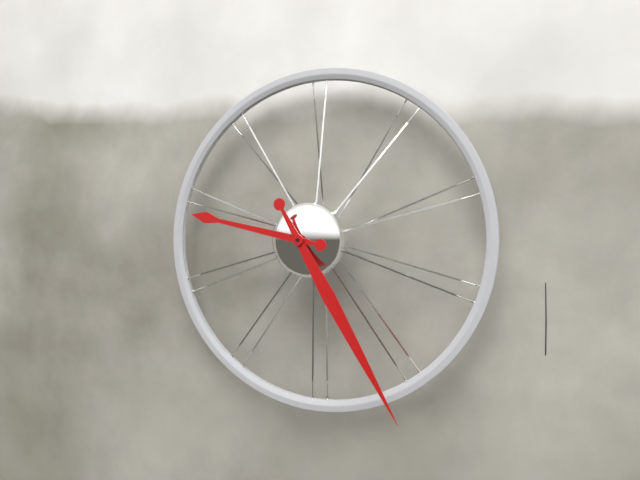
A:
9,25
